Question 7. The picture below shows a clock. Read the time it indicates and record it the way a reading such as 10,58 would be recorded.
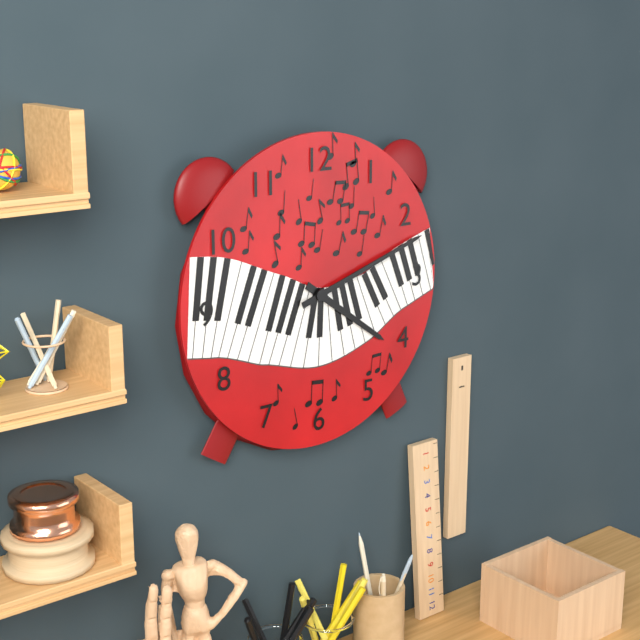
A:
4,12
